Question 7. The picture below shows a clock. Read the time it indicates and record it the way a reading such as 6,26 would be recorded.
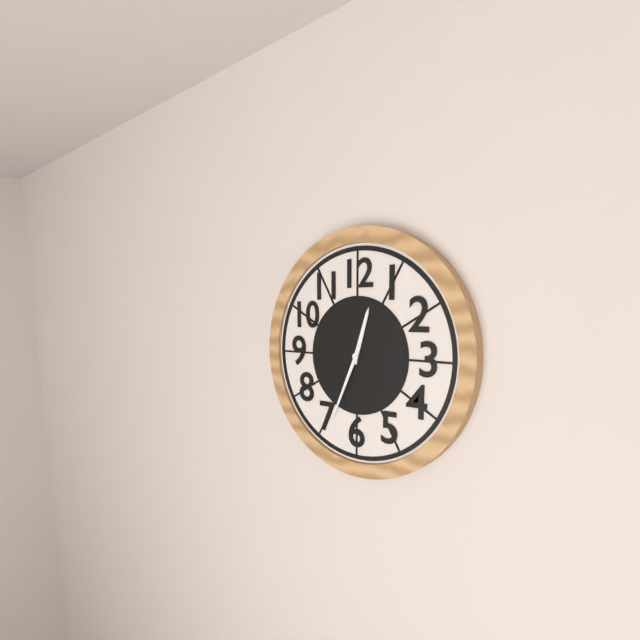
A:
12,34
